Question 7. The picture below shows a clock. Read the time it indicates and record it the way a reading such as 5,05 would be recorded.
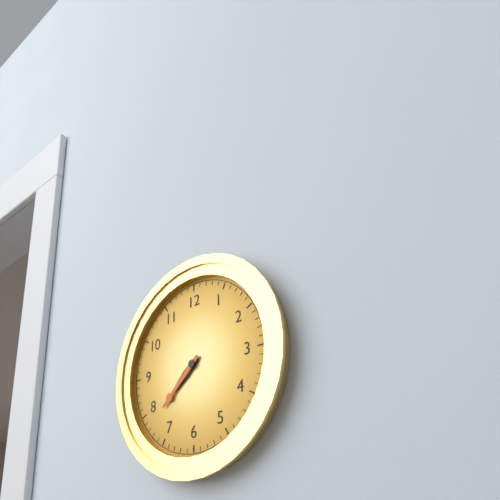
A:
7,38
